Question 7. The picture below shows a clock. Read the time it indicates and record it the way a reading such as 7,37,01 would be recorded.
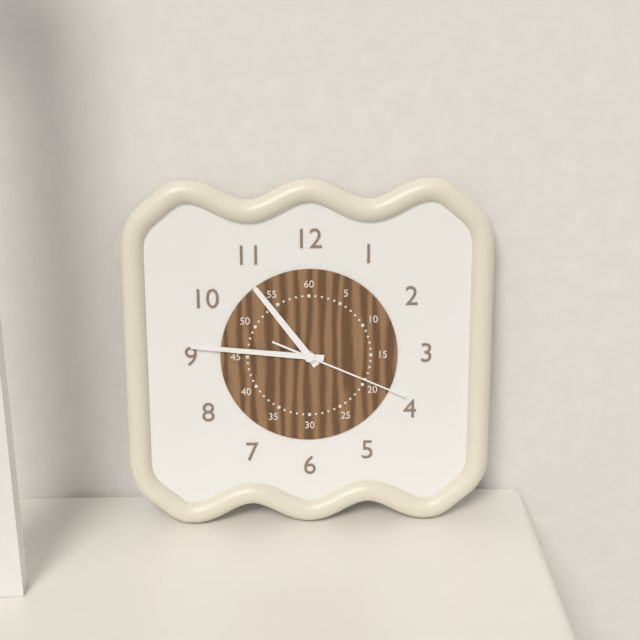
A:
10,46,19
